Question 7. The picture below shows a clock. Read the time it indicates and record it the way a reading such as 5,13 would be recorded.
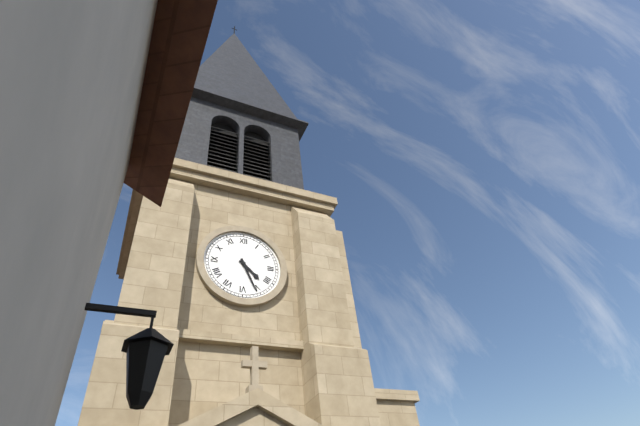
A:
4,26
